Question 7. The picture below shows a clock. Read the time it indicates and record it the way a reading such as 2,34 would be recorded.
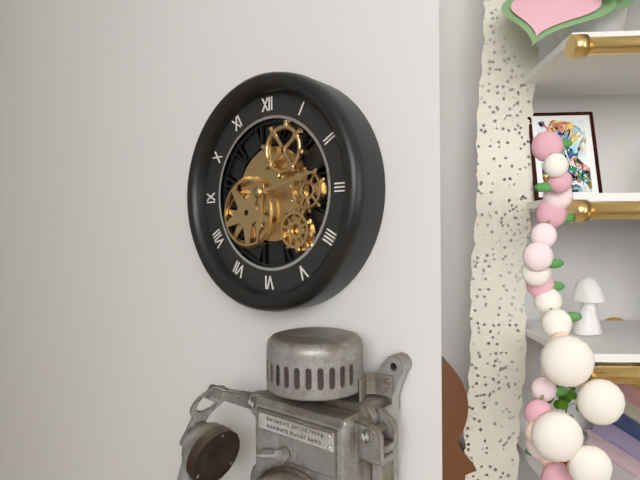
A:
6,13
